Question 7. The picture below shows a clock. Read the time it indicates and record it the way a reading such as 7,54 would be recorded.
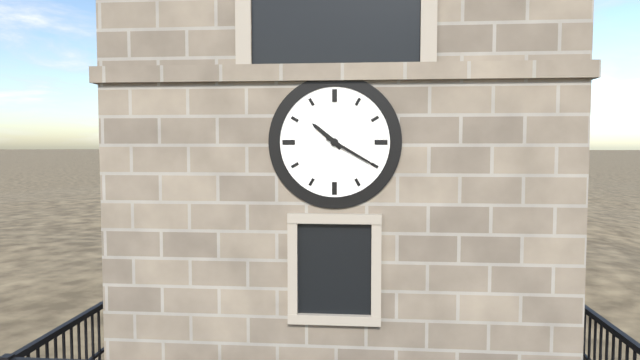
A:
10,20
